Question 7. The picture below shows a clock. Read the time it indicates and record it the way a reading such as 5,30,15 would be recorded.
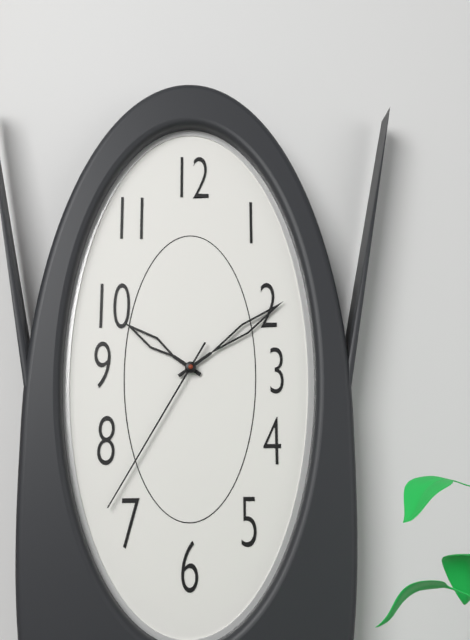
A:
10,09,35
